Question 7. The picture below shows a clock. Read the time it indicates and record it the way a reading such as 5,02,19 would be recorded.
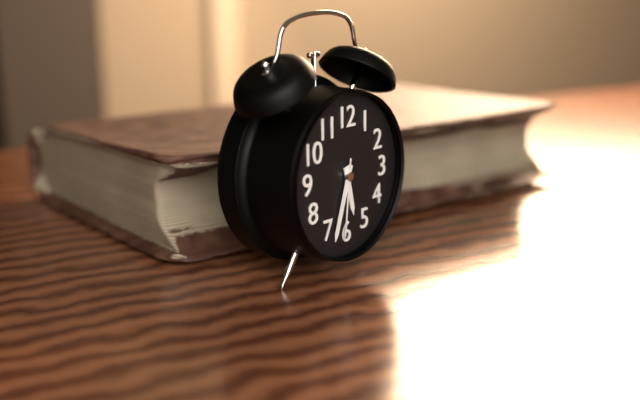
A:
5,33,31
